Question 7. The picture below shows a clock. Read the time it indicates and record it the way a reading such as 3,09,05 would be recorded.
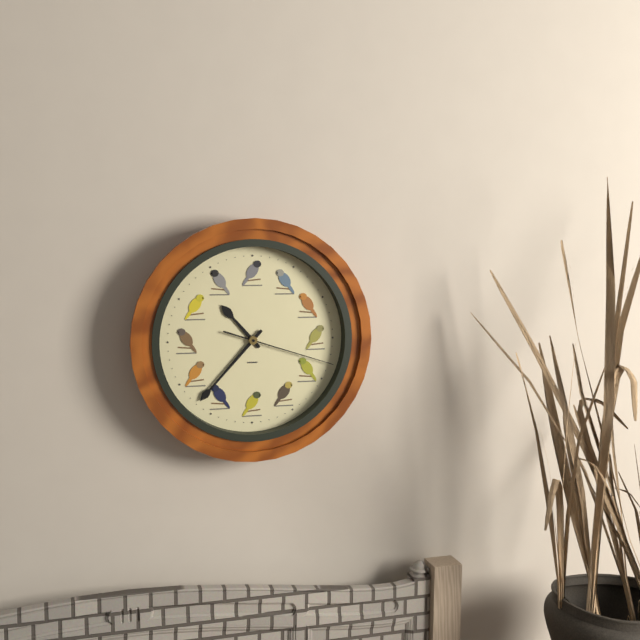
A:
10,37,18
